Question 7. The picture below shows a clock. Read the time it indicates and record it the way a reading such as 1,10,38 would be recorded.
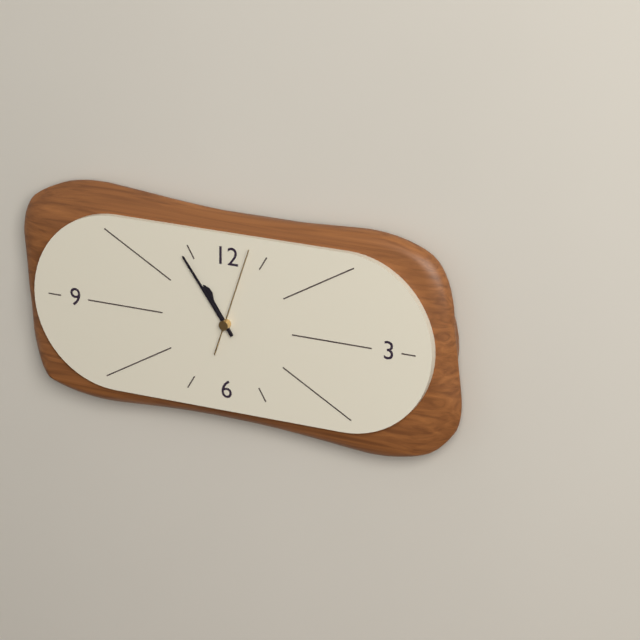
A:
10,54,03
